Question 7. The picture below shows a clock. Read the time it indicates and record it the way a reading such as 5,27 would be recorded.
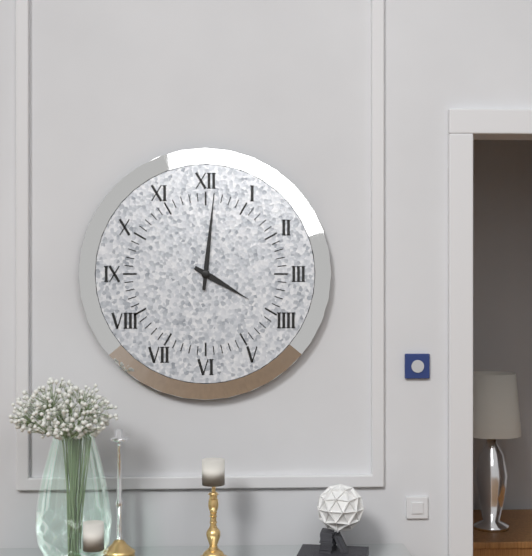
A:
4,01
